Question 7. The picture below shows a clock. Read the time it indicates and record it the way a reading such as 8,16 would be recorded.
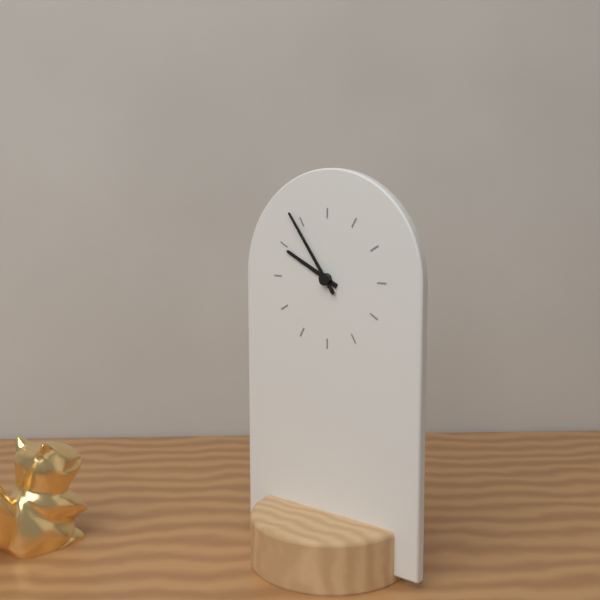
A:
9,54
